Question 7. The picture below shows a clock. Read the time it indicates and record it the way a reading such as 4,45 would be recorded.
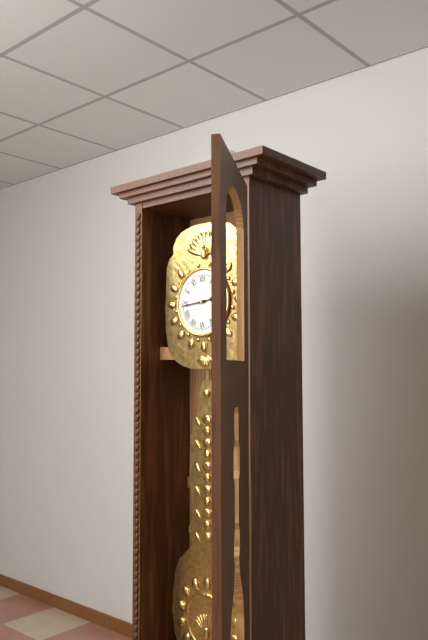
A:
2,44
